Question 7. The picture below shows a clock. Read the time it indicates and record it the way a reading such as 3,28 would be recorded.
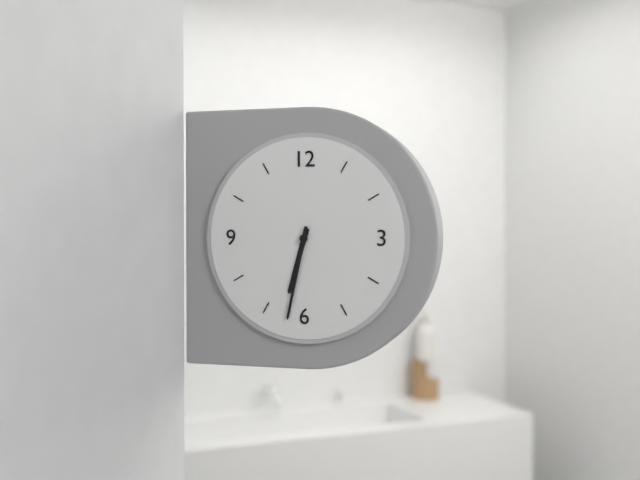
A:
6,32
